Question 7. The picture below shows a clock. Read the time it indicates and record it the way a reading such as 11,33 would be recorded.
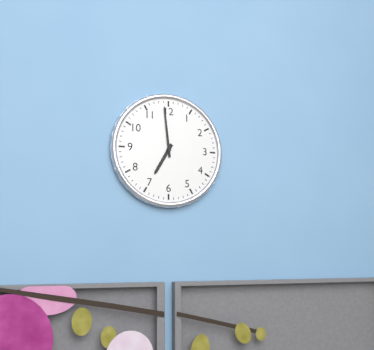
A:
6,59
